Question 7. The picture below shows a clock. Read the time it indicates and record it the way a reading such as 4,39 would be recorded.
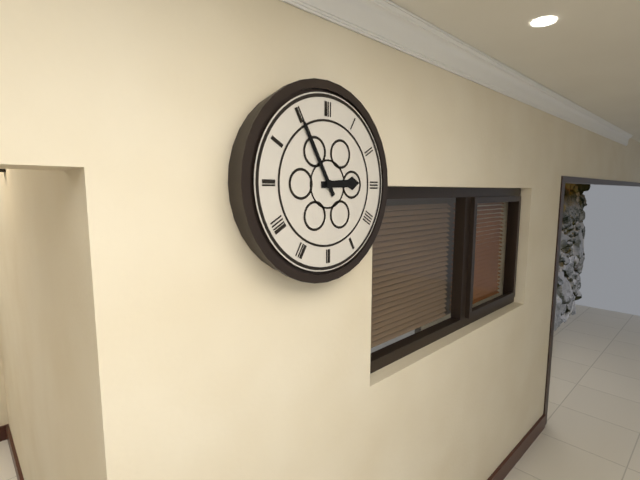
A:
2,55
